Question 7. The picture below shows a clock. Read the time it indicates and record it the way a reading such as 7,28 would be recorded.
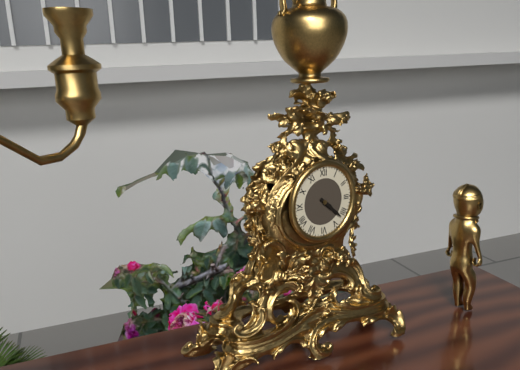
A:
4,22
